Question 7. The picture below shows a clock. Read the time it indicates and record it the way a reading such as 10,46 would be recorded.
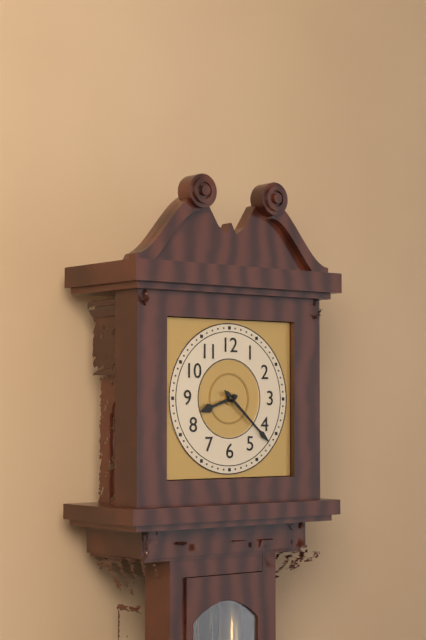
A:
8,22
